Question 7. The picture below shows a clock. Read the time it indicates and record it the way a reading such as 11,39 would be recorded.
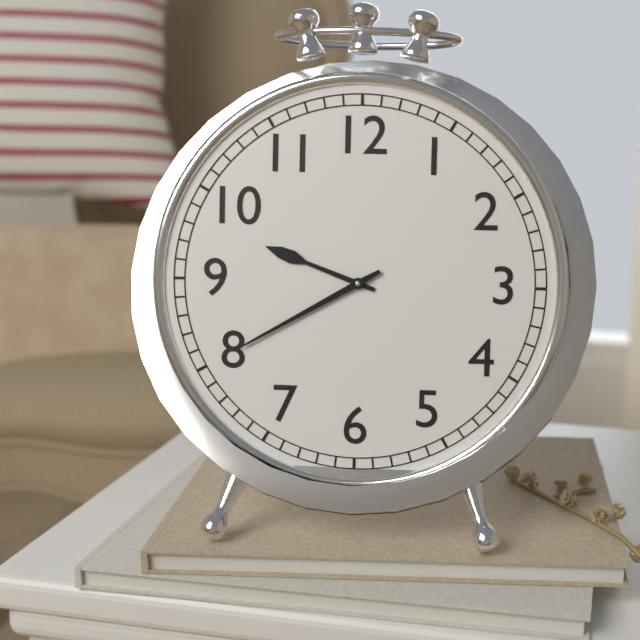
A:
9,40
